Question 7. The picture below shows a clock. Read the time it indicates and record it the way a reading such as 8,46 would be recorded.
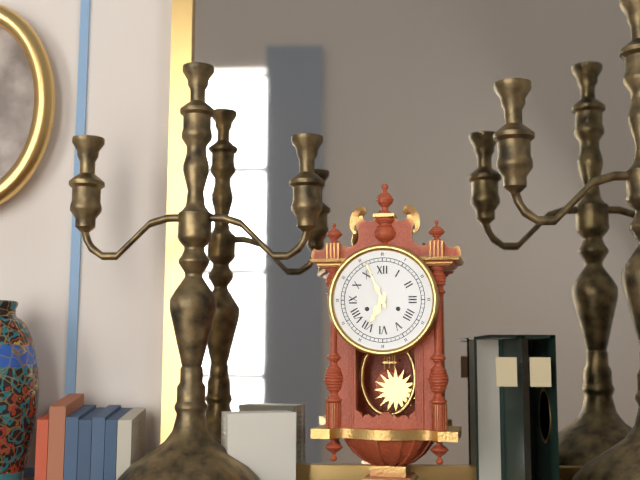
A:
6,56
